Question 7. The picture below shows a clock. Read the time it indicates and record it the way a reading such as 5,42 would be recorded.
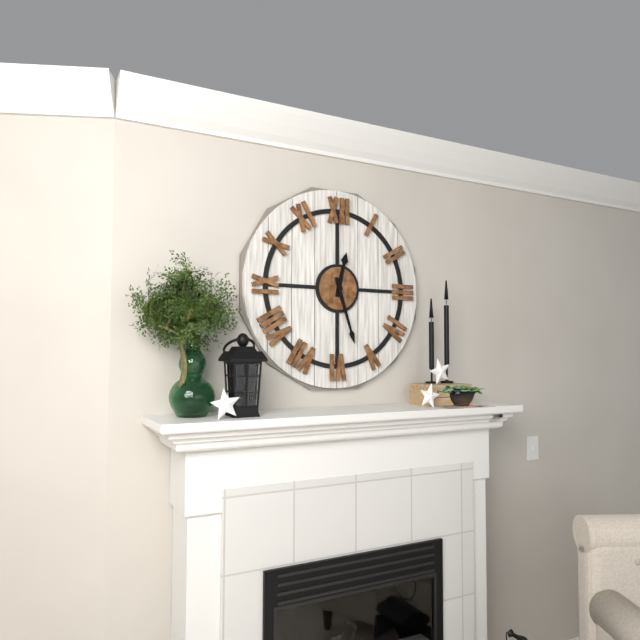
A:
12,27
